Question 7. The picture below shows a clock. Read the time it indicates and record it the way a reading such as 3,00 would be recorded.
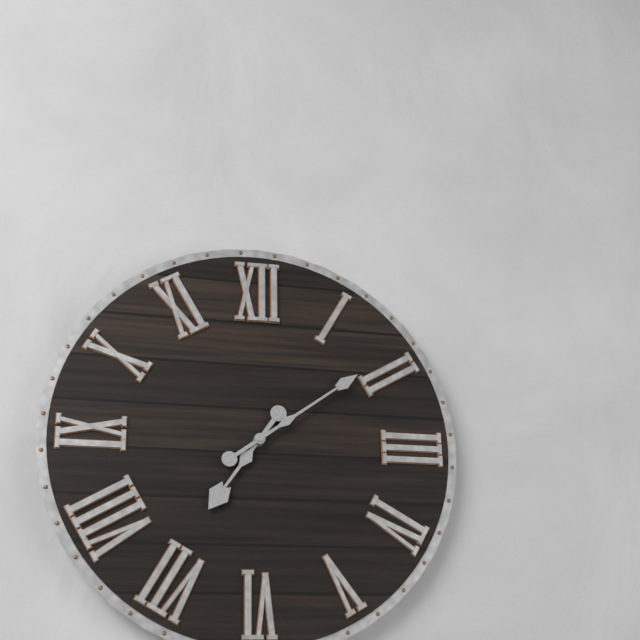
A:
7,09
